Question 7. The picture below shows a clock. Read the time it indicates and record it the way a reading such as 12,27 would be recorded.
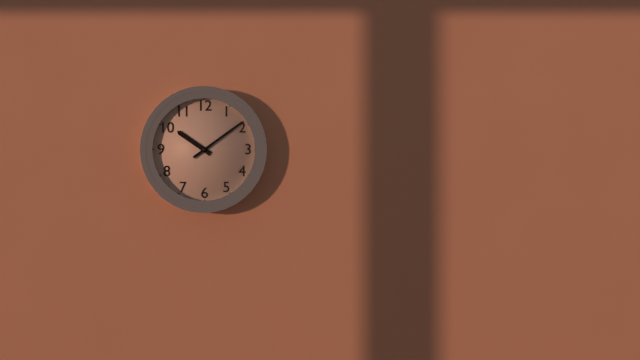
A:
10,09
